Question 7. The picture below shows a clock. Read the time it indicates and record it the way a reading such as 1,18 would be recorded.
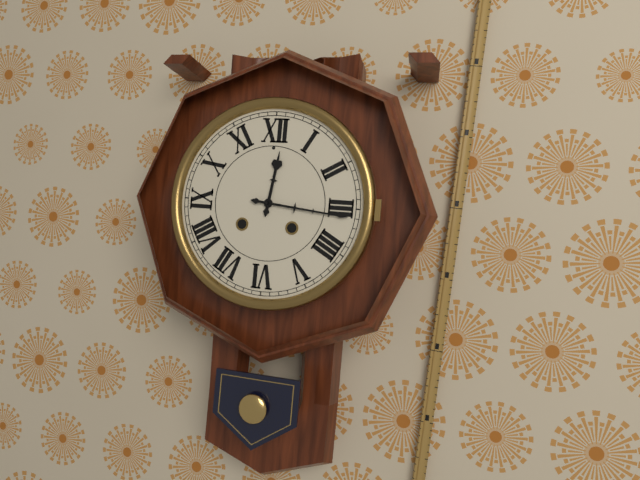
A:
12,16
